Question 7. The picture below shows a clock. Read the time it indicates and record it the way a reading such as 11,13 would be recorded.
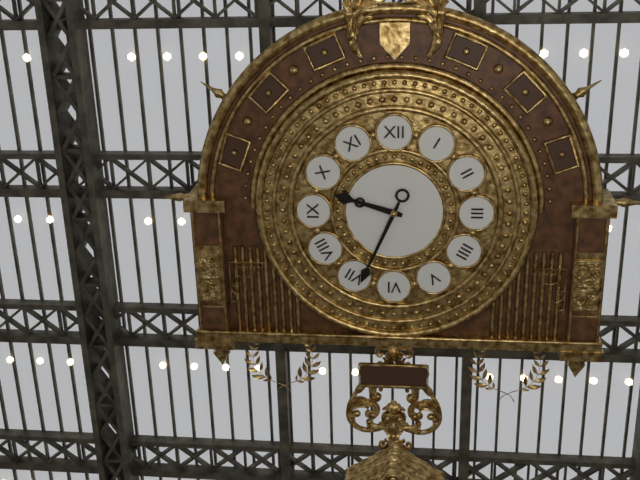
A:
9,34
